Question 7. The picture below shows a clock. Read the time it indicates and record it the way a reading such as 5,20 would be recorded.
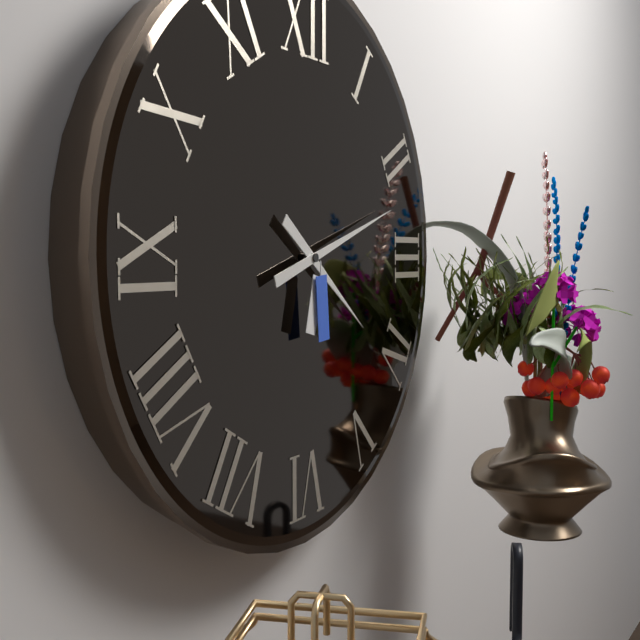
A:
4,12
